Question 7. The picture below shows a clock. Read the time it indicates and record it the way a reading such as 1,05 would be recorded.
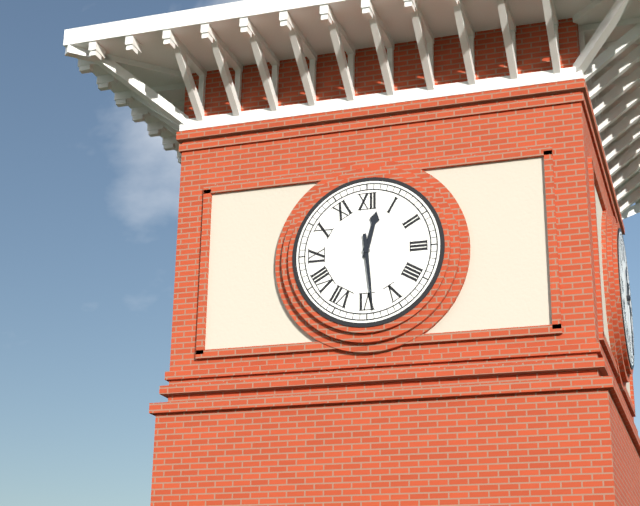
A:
12,29
